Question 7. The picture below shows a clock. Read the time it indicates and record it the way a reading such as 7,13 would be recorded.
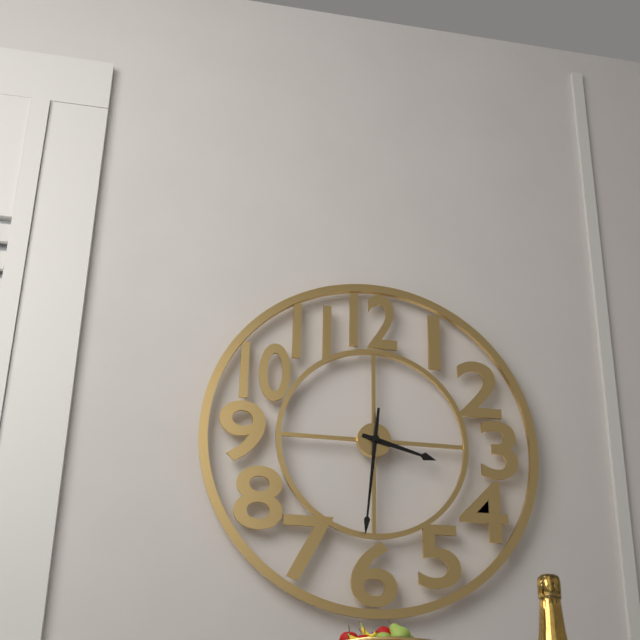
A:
3,31
